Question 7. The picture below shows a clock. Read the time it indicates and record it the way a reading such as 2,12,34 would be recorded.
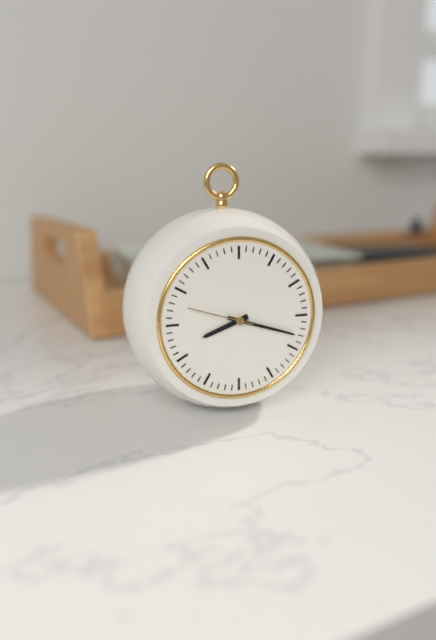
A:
8,18,48
